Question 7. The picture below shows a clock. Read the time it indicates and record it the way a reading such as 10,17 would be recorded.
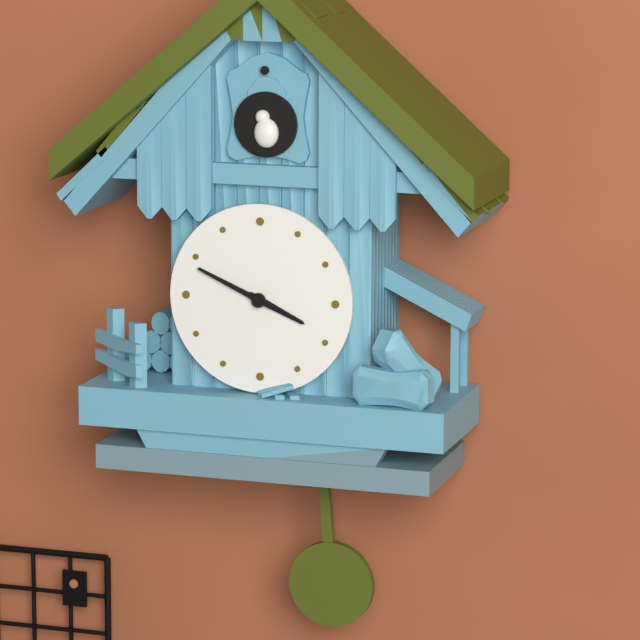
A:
3,49
